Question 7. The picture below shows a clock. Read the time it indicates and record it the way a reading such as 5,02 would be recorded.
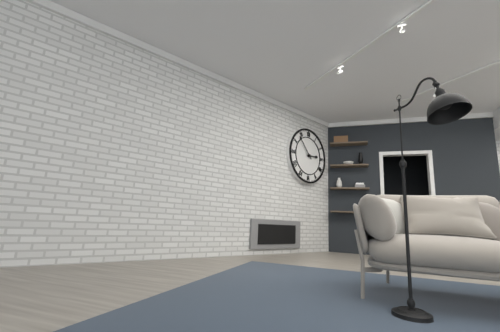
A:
2,53
